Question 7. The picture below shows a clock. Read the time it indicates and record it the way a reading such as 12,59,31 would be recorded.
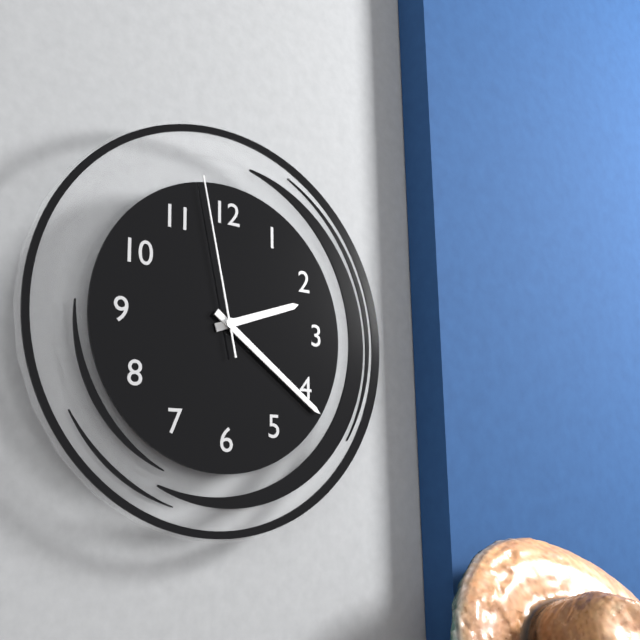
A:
2,21,58
